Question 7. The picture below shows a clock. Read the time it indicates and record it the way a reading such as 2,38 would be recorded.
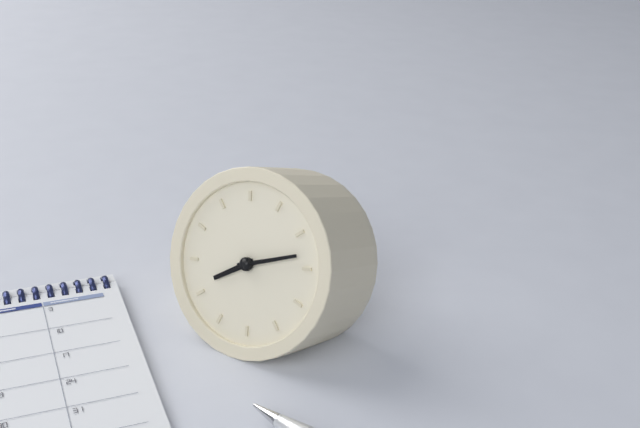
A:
8,13
